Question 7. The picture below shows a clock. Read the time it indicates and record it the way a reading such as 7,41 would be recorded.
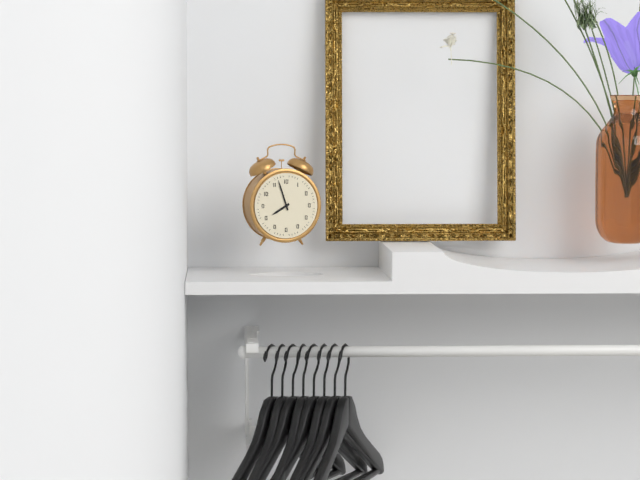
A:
7,57
